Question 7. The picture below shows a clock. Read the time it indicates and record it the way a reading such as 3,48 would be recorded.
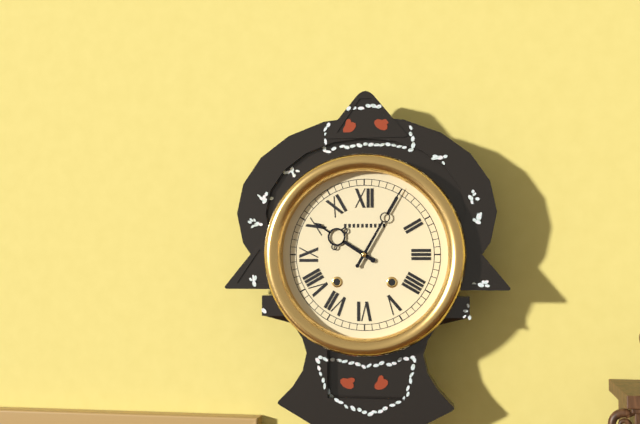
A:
10,05
